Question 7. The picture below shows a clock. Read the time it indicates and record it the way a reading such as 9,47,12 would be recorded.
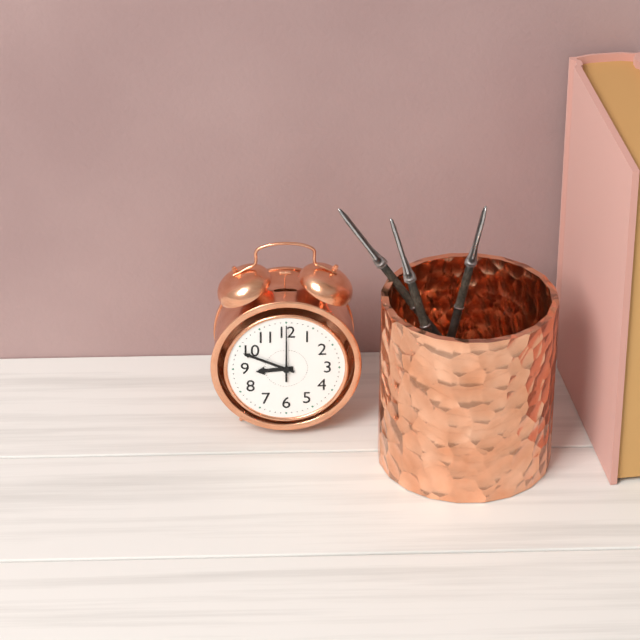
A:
8,49,00
